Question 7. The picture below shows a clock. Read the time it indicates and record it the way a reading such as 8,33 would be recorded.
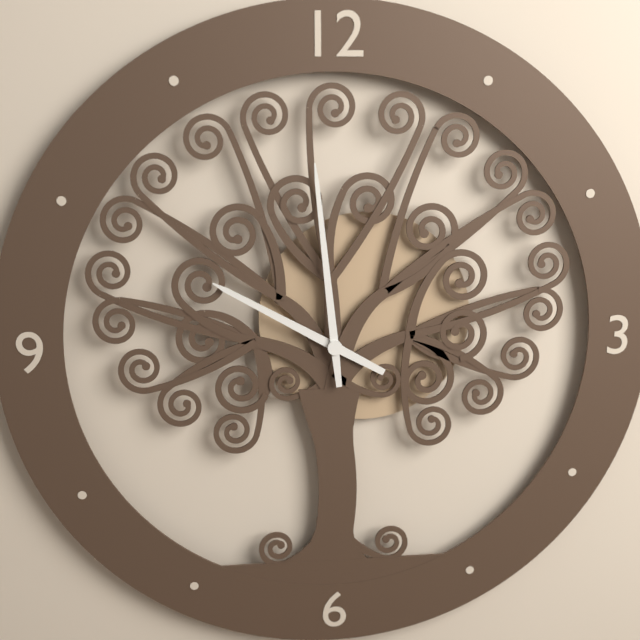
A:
9,59
